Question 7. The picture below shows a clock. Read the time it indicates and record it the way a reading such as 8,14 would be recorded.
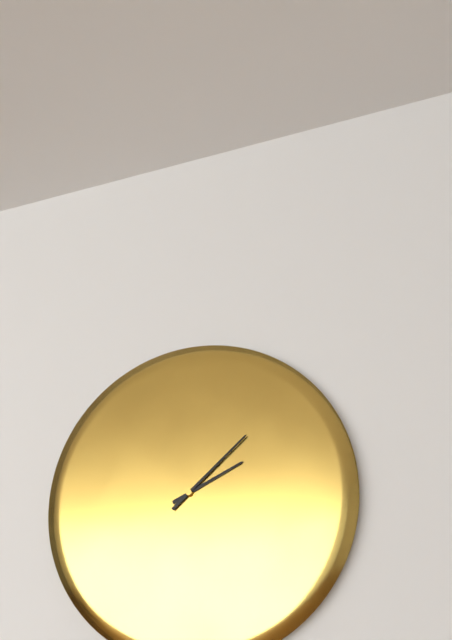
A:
2,08
